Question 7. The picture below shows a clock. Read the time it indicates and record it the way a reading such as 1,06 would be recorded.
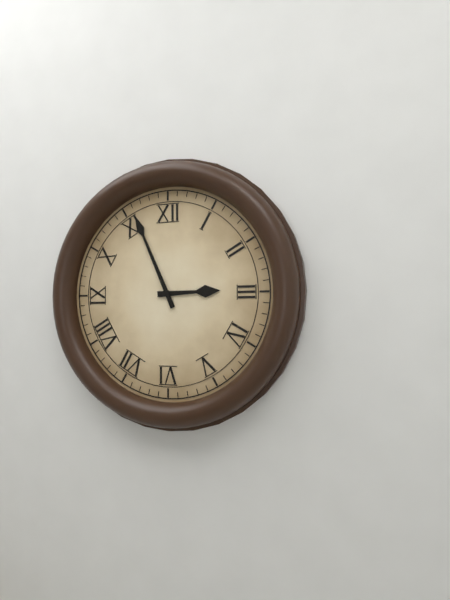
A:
2,56
